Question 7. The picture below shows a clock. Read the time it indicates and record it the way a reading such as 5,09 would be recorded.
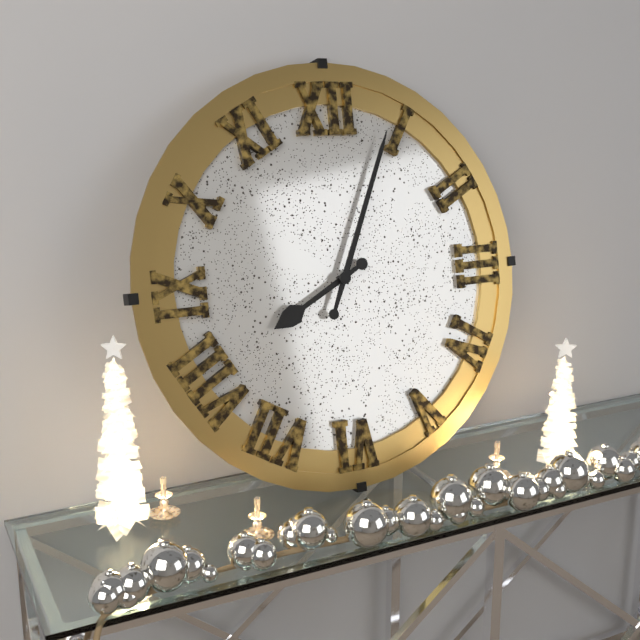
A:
8,04
